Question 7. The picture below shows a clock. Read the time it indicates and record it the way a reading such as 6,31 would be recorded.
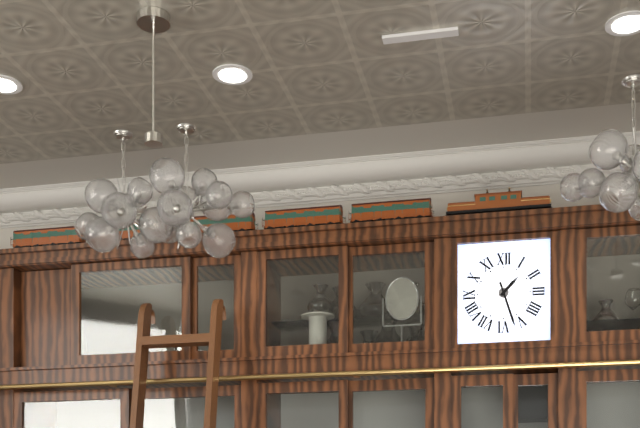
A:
1,27
